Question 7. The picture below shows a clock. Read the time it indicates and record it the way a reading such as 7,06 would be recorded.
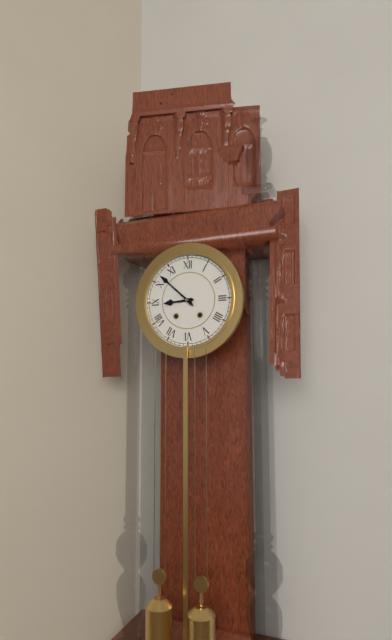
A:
8,52
